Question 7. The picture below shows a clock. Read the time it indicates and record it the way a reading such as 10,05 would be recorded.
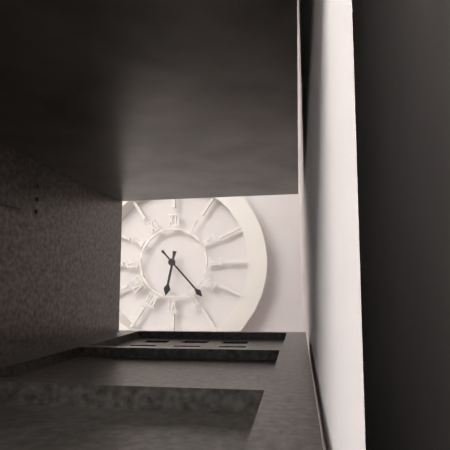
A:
6,23
